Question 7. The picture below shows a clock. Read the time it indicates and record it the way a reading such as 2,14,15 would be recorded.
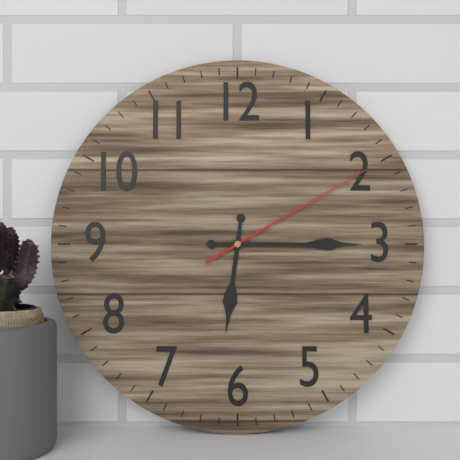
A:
6,15,10
